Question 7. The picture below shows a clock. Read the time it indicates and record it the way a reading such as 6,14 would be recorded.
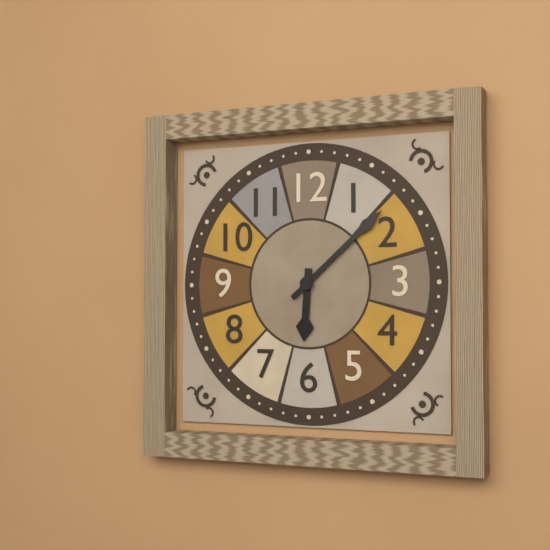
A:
6,08
